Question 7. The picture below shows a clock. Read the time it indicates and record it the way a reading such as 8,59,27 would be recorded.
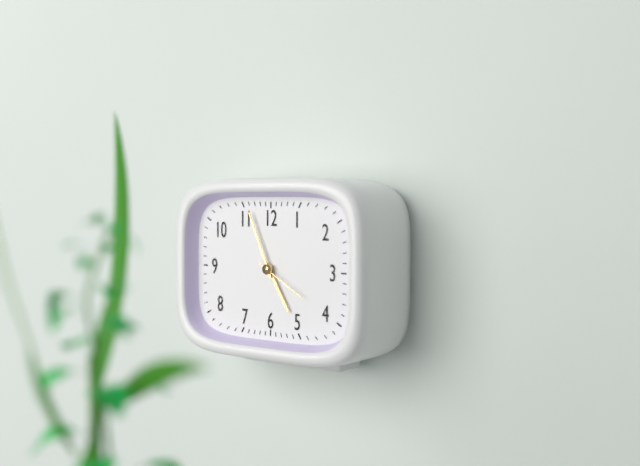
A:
4,56,20
